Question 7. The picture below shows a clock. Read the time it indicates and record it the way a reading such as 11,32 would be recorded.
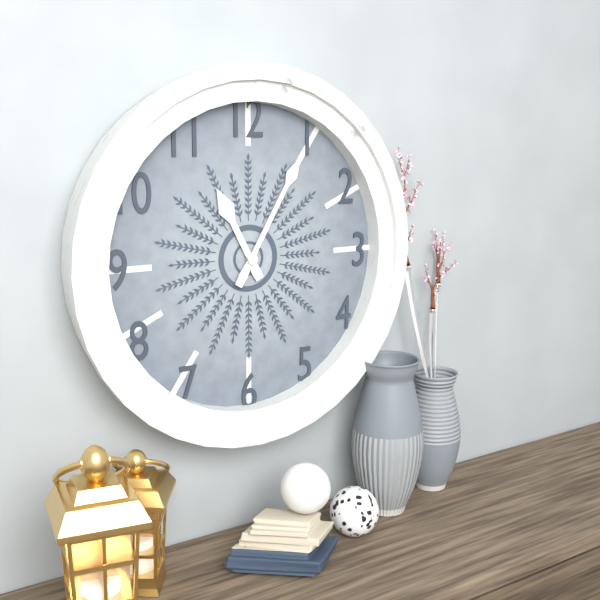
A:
11,05
